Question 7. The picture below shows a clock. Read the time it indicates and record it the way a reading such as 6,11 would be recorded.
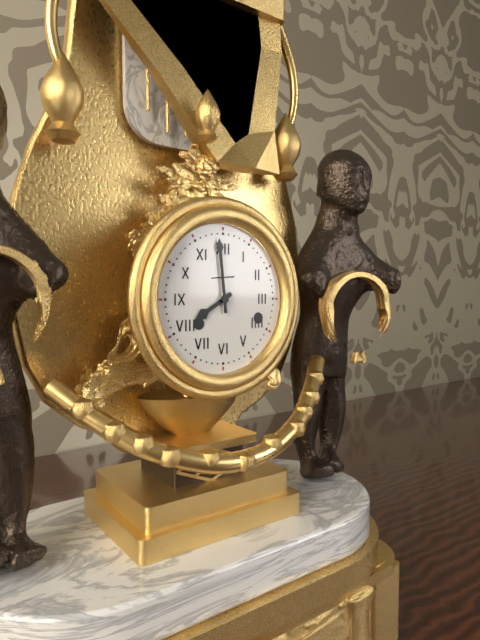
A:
7,59
